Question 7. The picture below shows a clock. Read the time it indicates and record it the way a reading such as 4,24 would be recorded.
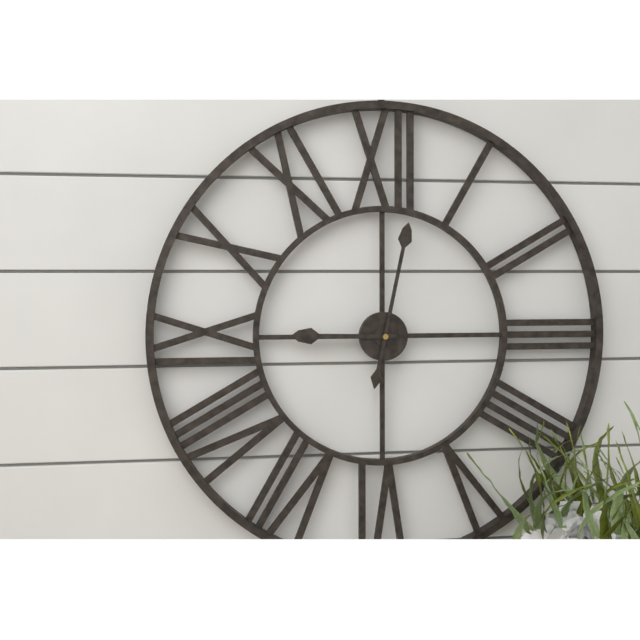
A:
9,02
